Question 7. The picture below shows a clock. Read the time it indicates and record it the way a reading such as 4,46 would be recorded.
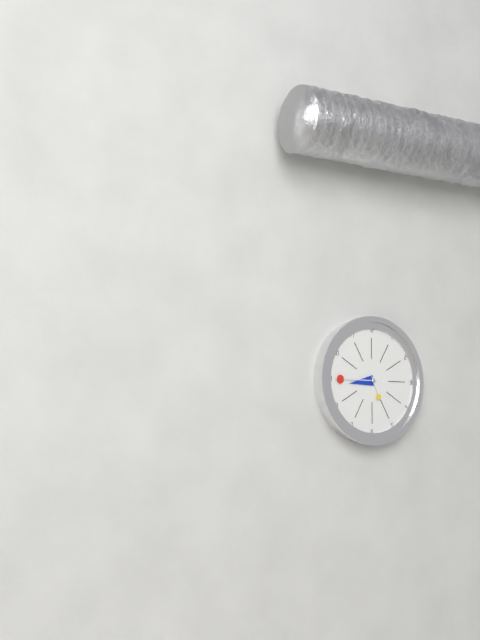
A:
8,45
